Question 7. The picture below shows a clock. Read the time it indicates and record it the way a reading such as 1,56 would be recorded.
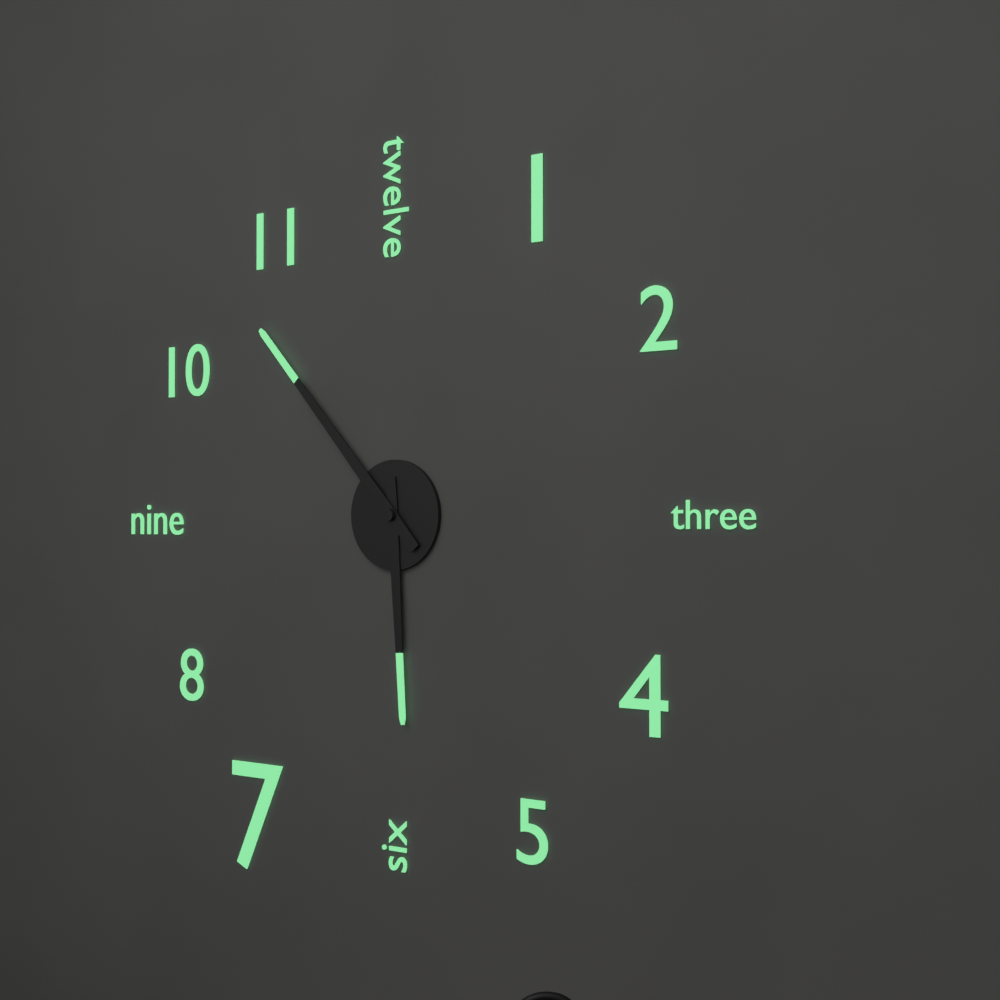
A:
5,53
